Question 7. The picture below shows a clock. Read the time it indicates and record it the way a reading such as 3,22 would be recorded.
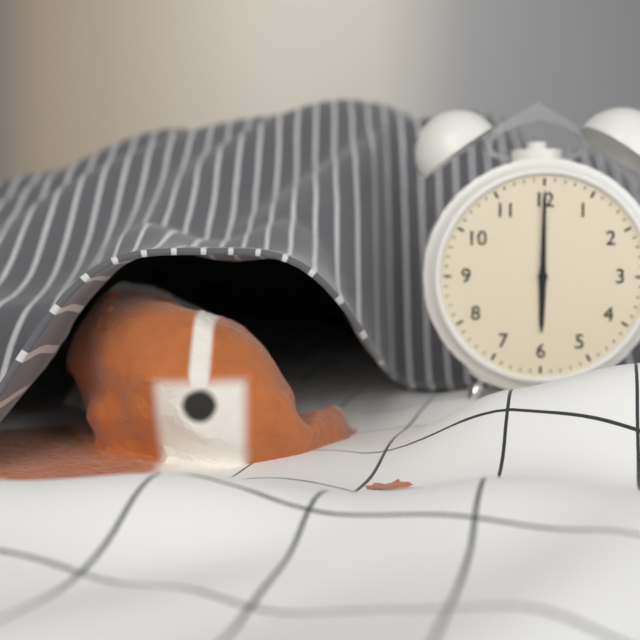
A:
6,00
